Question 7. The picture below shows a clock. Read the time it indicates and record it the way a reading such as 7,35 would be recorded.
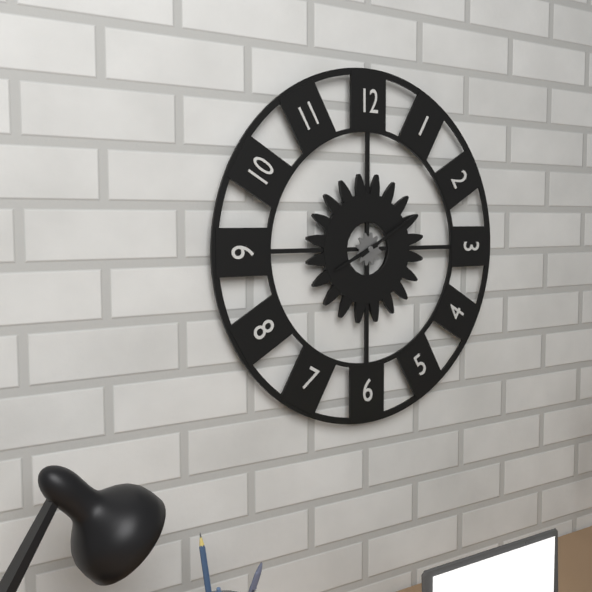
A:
8,10
